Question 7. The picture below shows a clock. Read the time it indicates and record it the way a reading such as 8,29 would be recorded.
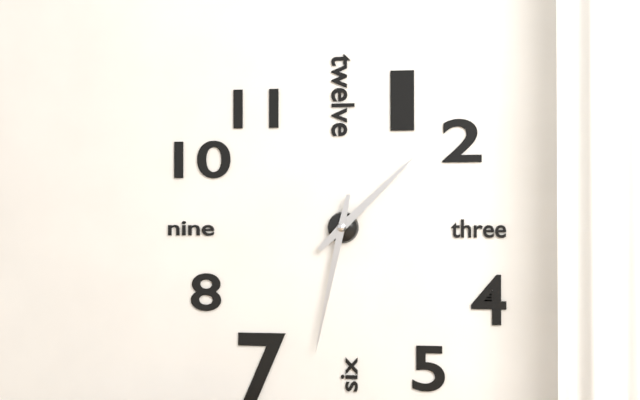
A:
1,32
